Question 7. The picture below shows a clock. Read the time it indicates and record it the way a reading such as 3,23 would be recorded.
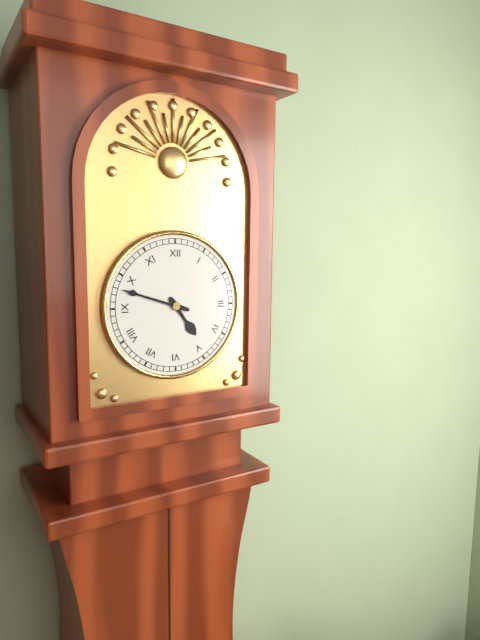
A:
4,48
